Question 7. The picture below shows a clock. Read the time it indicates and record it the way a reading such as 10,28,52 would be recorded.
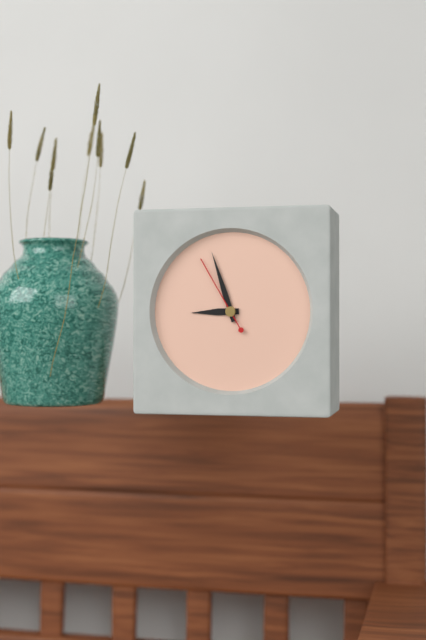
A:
8,57,55
